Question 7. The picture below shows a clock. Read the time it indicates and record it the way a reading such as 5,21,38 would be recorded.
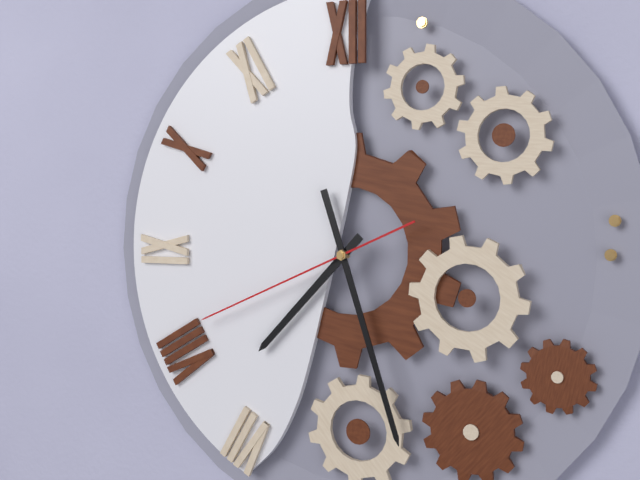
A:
7,27,41
